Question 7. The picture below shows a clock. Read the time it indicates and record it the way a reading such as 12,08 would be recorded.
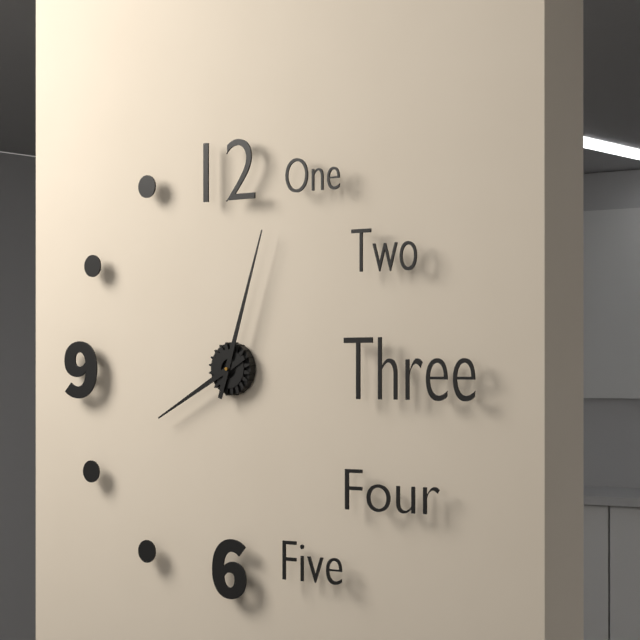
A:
8,03
